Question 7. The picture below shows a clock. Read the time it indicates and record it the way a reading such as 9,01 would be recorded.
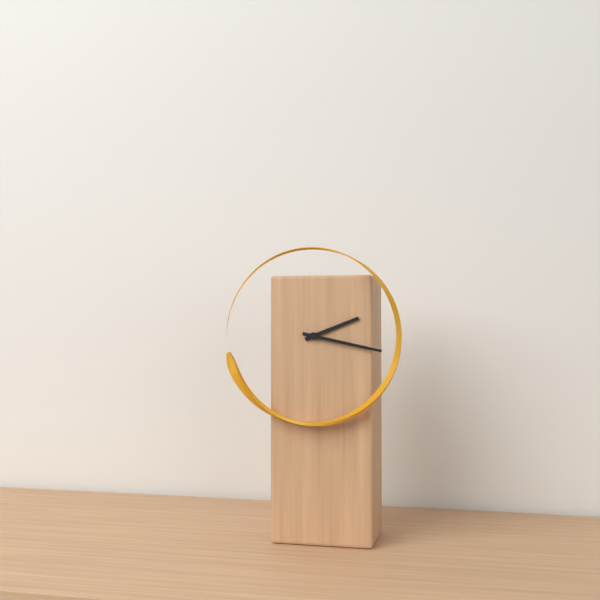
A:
2,17
